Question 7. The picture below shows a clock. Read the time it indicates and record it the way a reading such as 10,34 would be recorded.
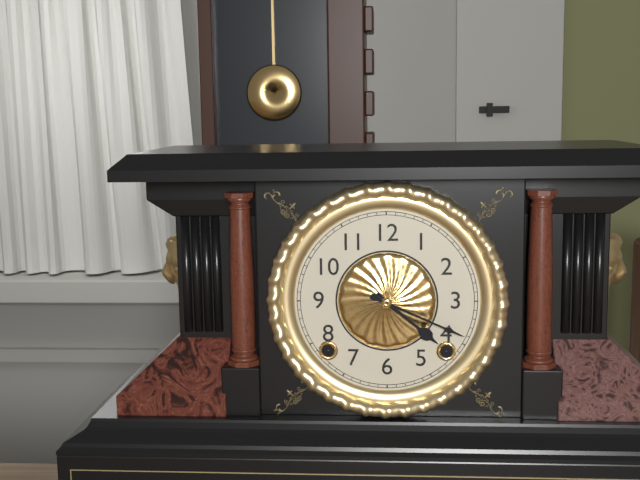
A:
4,19
